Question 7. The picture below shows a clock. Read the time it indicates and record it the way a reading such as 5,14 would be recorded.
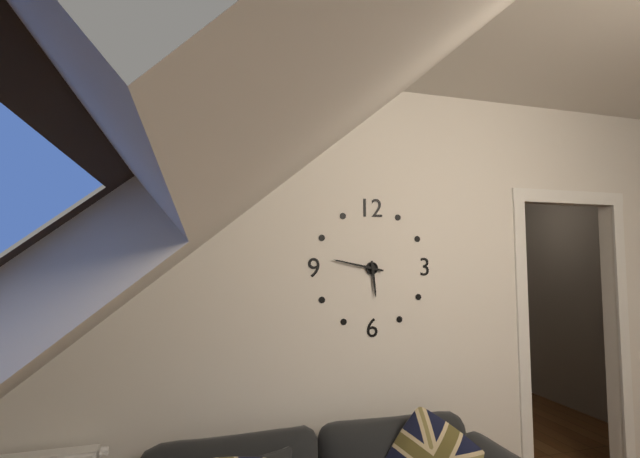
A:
5,47
